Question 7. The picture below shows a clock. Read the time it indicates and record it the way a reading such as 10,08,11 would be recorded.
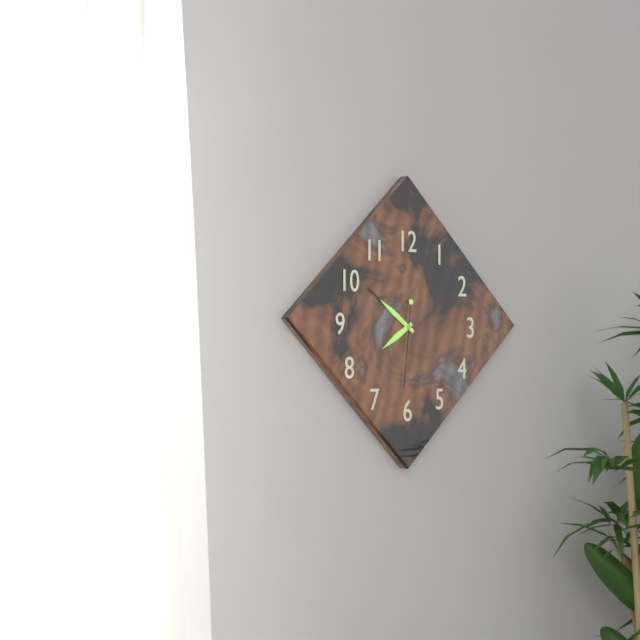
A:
7,51,31
